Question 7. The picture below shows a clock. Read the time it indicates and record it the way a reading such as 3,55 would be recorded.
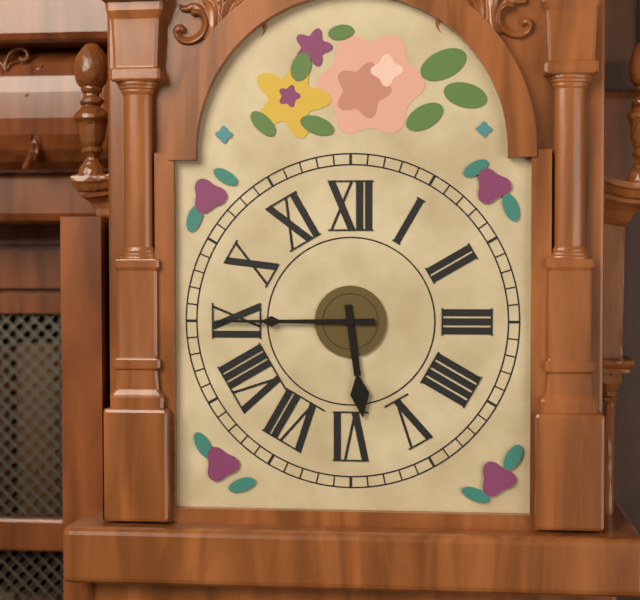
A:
5,45
